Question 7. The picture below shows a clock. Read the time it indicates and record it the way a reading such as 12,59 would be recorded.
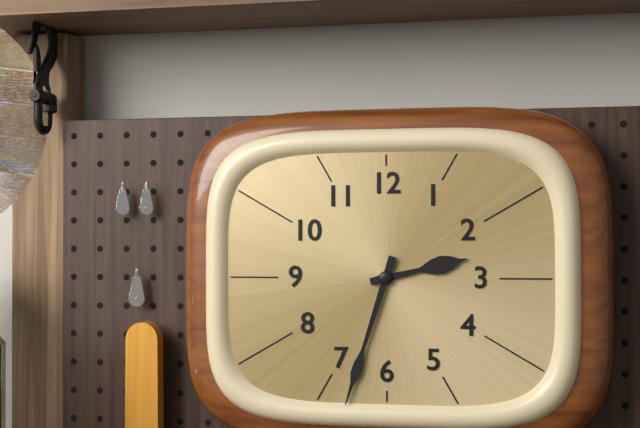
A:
2,33
